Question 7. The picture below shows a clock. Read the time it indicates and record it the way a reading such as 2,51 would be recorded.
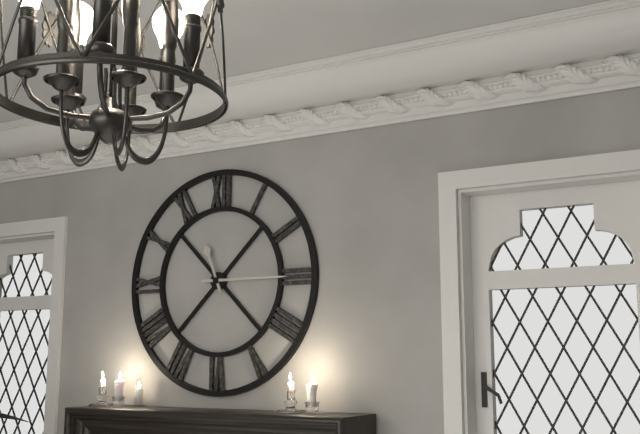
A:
11,15
